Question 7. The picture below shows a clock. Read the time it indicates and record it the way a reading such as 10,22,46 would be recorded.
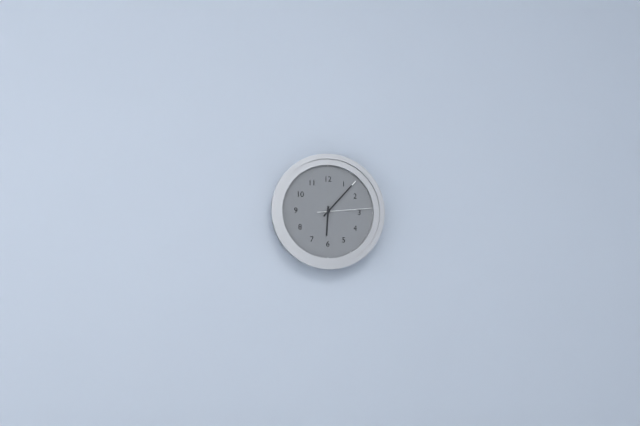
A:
6,07,14
